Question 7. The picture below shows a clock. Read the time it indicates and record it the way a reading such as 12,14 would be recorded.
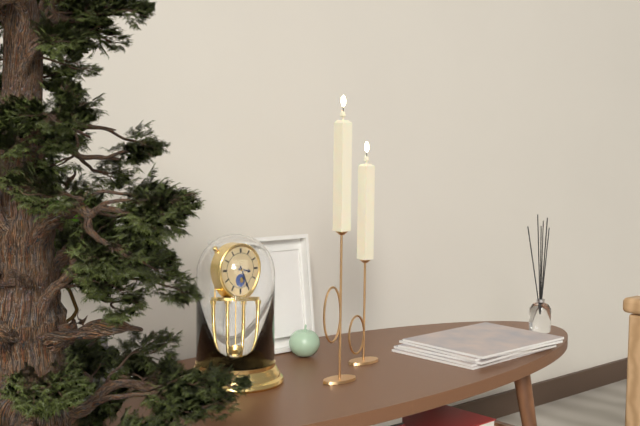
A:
3,26
